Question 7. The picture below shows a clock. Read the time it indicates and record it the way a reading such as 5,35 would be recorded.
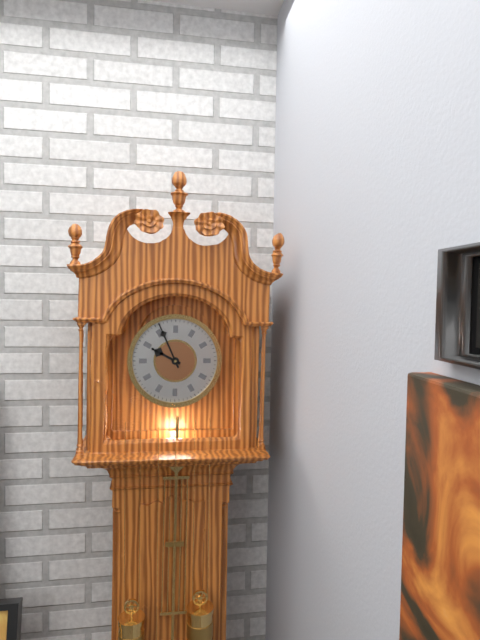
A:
9,56
